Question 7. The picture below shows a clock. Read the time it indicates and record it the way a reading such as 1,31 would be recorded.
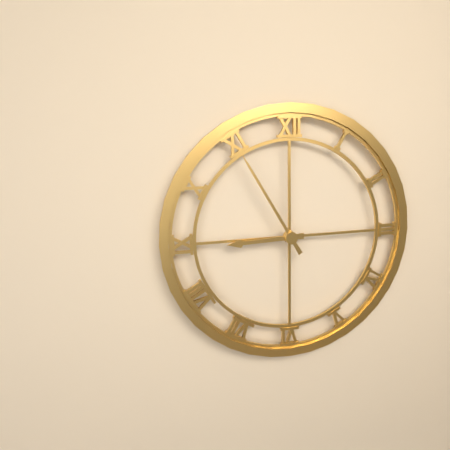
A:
8,55
